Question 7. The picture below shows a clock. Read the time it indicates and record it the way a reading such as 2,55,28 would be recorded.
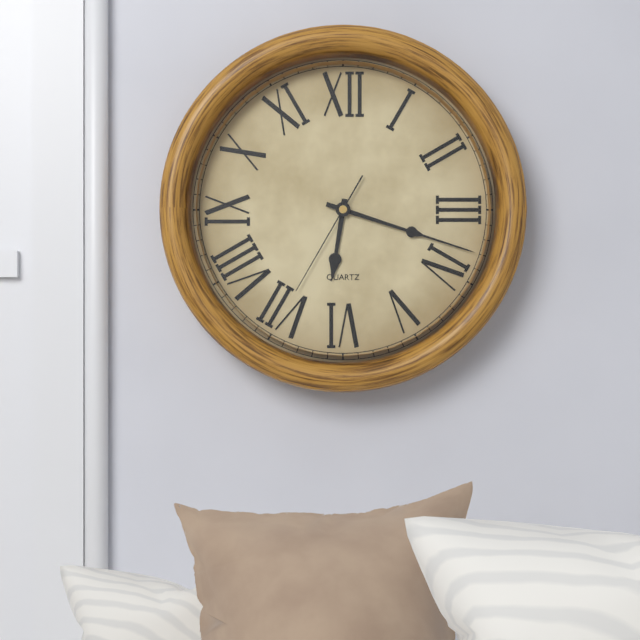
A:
6,18,35
